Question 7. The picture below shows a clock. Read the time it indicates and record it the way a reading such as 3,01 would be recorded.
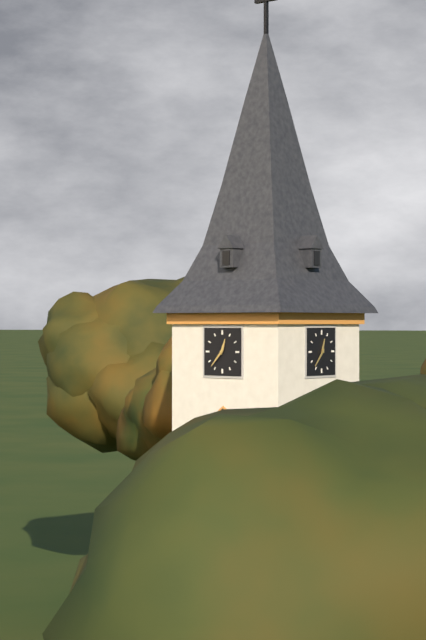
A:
12,37
